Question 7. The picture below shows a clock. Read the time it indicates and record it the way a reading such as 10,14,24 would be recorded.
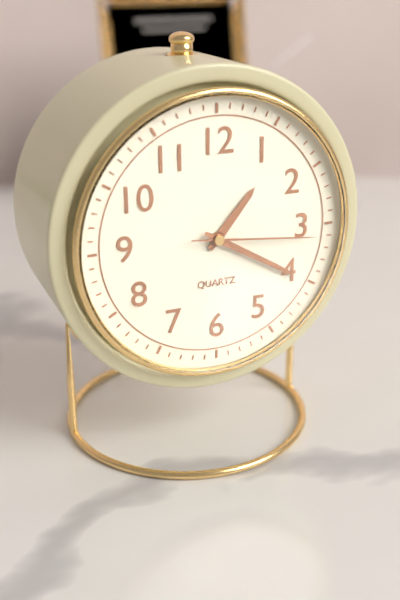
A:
1,20,16
